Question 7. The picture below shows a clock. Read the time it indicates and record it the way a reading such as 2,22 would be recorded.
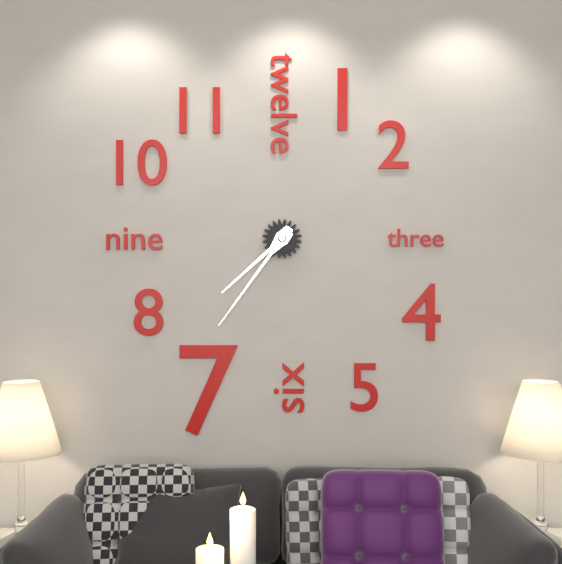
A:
7,36
